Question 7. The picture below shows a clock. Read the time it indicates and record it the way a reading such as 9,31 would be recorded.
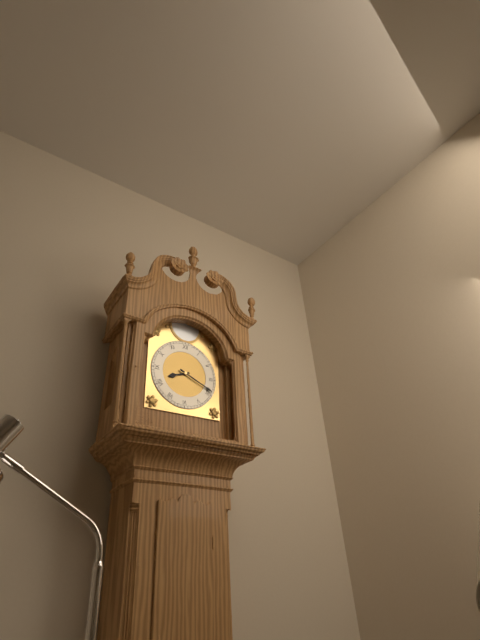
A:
8,19
